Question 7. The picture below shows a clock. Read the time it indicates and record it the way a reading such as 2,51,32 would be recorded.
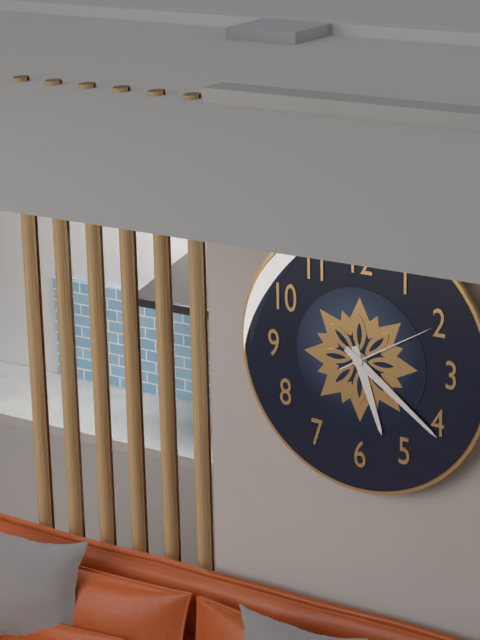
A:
5,21,10
